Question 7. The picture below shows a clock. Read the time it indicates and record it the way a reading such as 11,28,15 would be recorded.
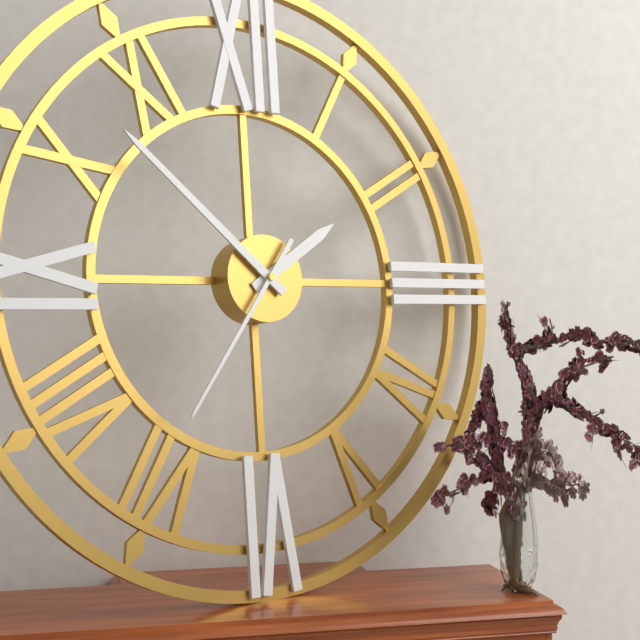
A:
1,52,36
